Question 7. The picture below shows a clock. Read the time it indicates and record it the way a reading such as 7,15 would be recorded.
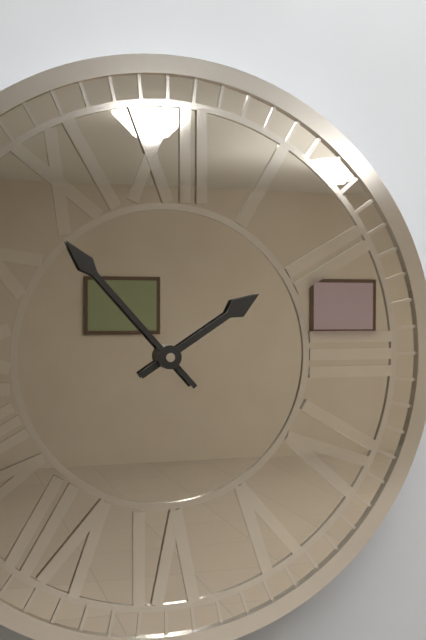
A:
1,53
